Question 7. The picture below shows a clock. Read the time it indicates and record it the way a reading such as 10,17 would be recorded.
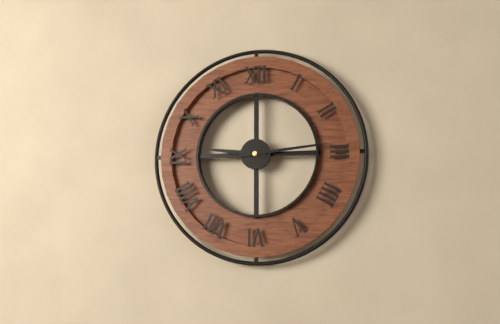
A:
9,14
